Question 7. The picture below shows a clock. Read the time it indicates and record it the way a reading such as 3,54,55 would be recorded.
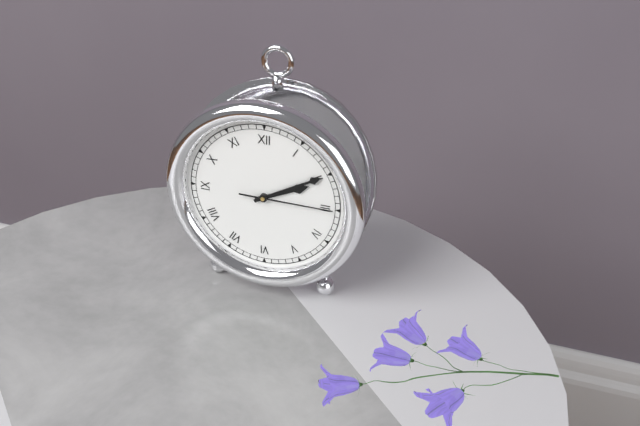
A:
2,10,15
